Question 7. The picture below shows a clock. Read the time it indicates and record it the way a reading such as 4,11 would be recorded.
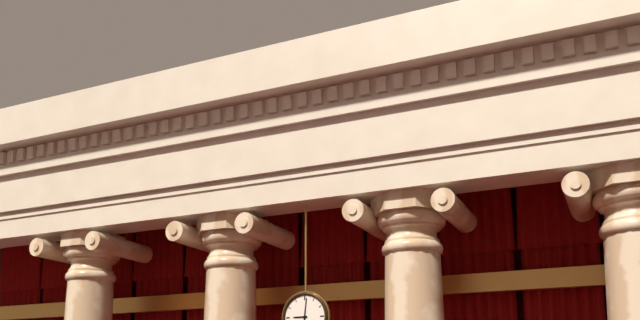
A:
9,01
